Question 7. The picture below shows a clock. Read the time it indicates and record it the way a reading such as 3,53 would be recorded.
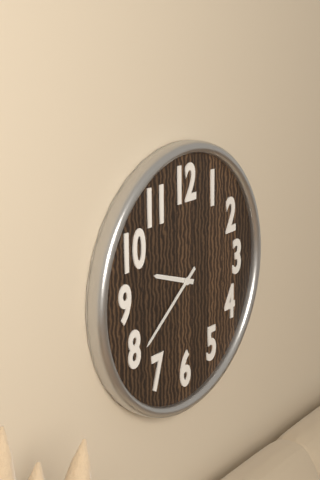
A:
9,39
